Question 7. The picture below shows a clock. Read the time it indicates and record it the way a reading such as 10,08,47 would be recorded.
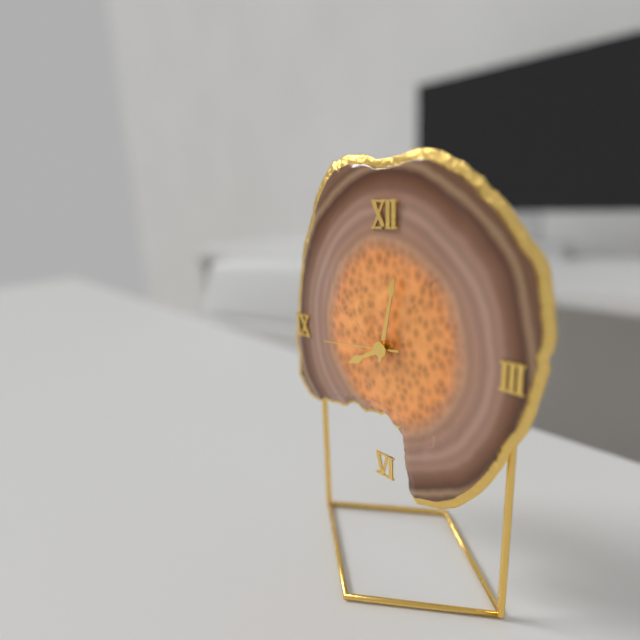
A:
8,02,44
